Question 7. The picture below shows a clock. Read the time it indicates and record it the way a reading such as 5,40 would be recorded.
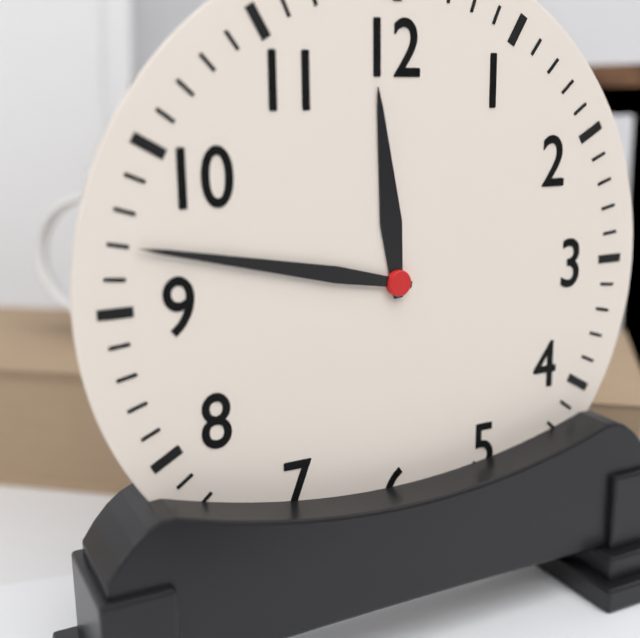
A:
11,47
